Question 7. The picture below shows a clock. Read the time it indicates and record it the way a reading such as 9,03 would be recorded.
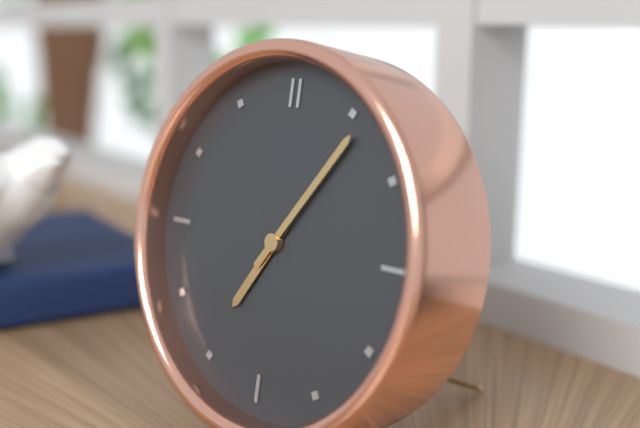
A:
7,06
